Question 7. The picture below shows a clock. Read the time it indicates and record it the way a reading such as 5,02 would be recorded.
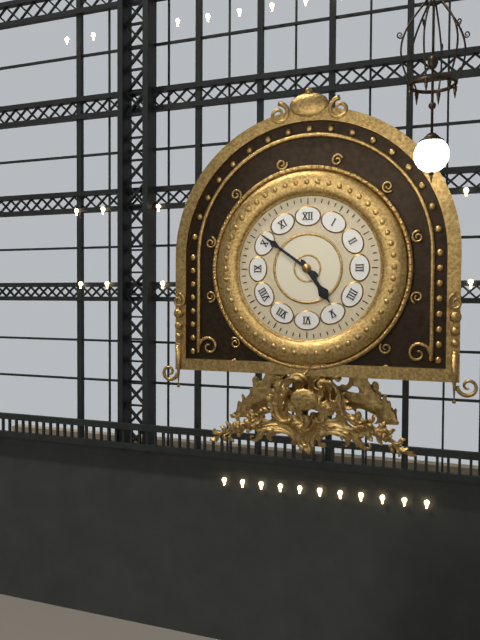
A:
4,51
